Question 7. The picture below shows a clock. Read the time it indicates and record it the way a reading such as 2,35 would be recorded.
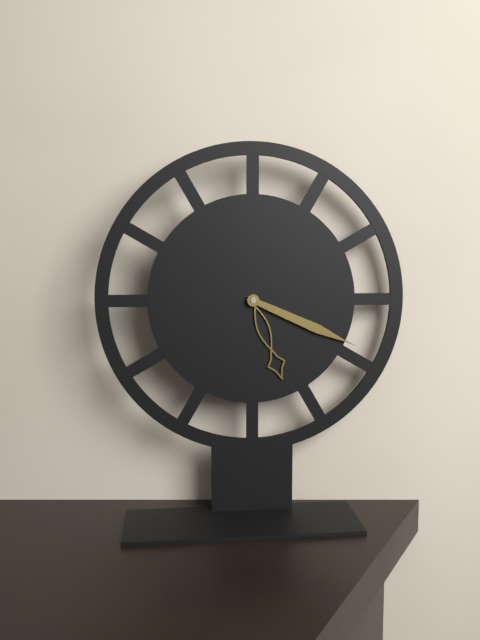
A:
5,19
